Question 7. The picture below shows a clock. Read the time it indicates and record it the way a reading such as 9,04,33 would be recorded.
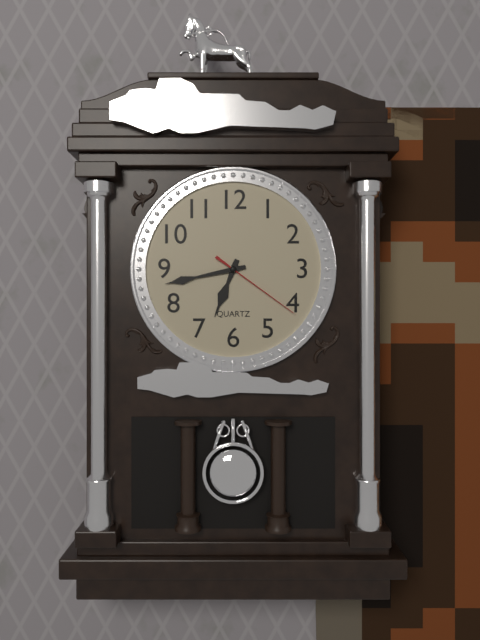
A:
6,43,21
